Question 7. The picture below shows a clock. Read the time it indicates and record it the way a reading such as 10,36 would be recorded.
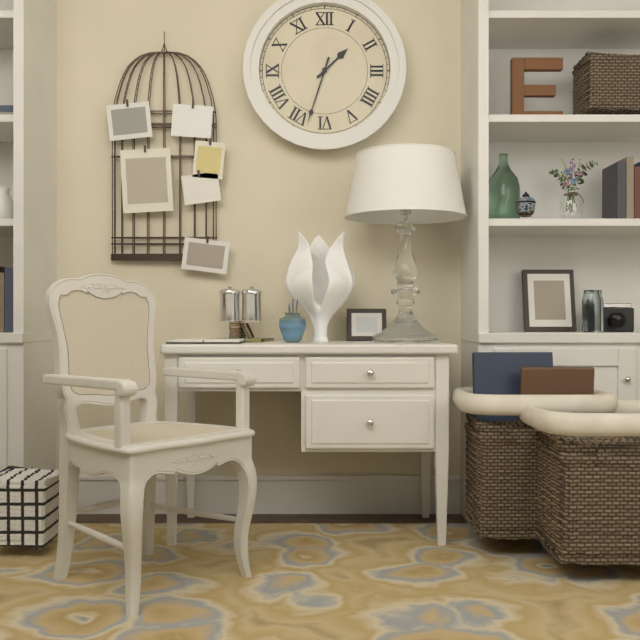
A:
1,33
